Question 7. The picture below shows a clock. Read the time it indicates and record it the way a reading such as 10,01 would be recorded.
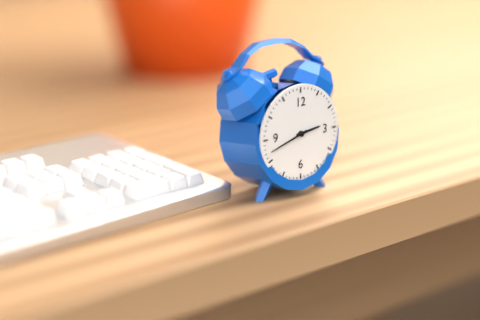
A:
2,42
